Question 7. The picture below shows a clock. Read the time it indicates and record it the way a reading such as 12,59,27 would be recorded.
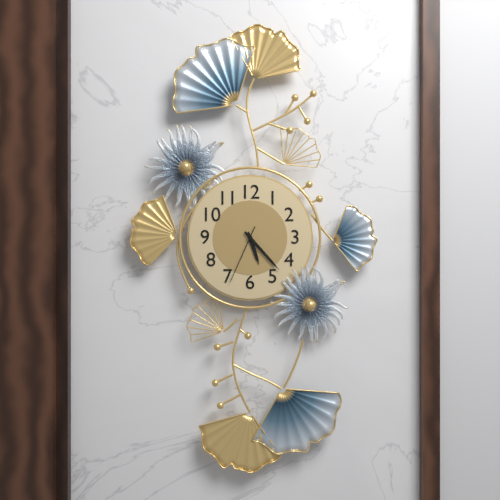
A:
5,23,34
